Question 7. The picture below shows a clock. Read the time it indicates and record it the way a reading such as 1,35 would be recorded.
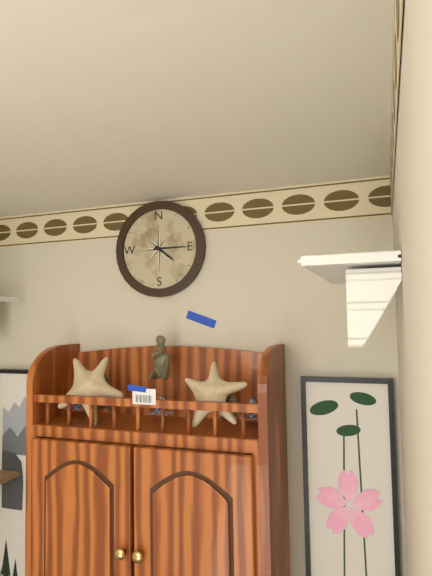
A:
4,15
